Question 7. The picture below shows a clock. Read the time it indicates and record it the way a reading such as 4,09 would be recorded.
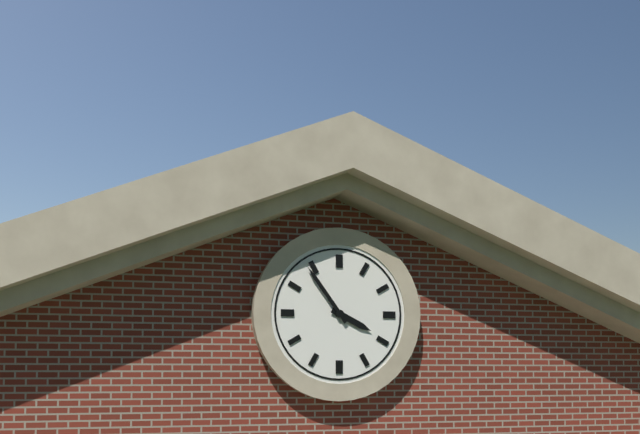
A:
3,54
